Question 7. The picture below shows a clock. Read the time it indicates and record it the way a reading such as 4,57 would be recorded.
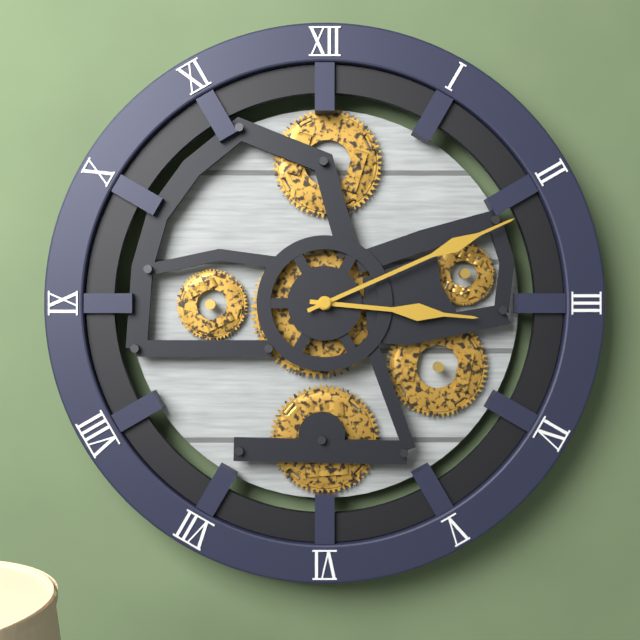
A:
3,11
